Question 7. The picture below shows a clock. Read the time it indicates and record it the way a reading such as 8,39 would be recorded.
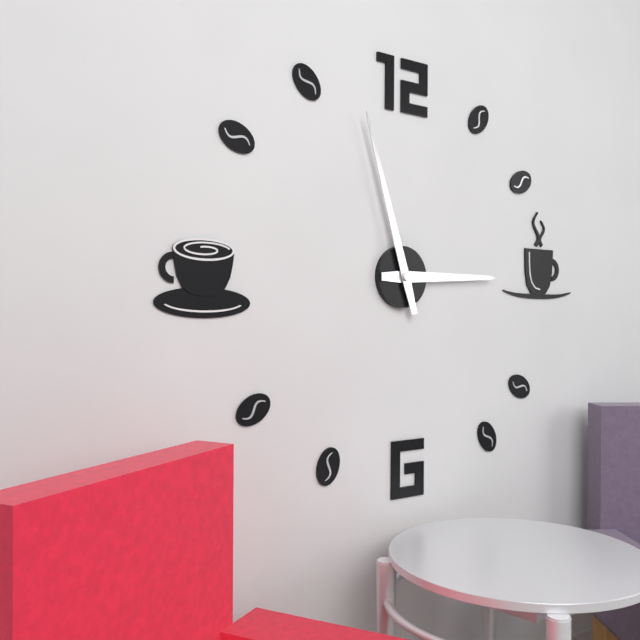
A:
2,57
